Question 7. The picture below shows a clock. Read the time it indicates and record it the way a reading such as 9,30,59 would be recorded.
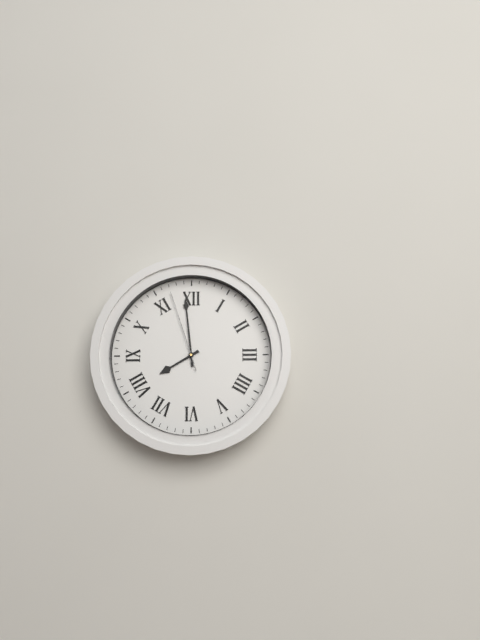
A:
7,59,57
